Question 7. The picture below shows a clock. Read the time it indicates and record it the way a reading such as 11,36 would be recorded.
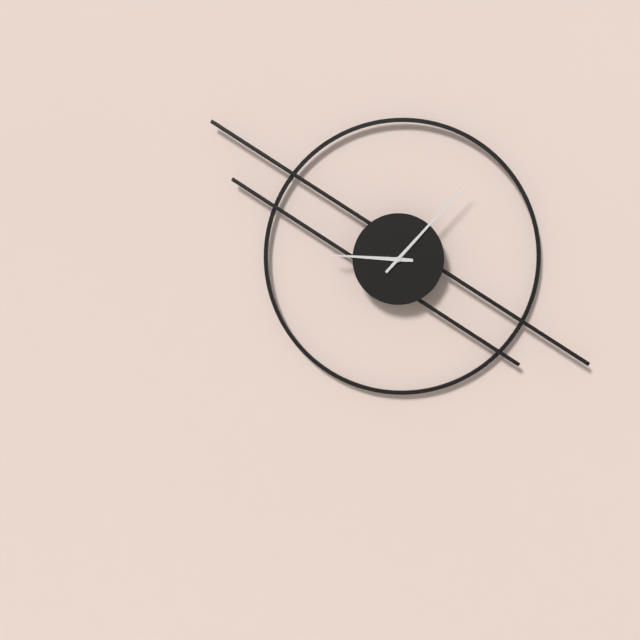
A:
9,07
